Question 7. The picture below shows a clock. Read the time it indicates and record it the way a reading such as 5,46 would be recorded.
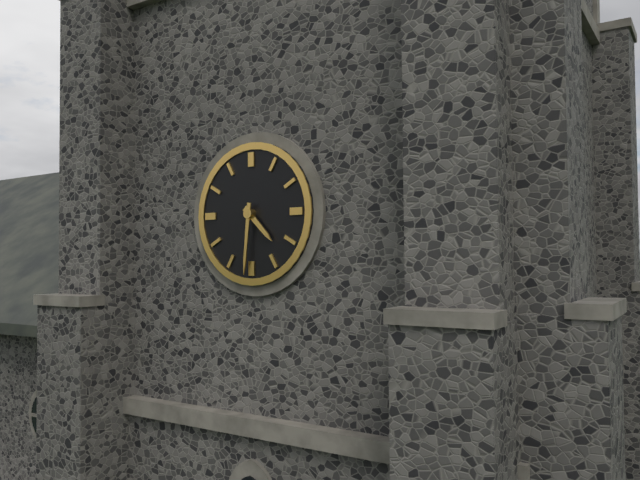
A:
4,31
